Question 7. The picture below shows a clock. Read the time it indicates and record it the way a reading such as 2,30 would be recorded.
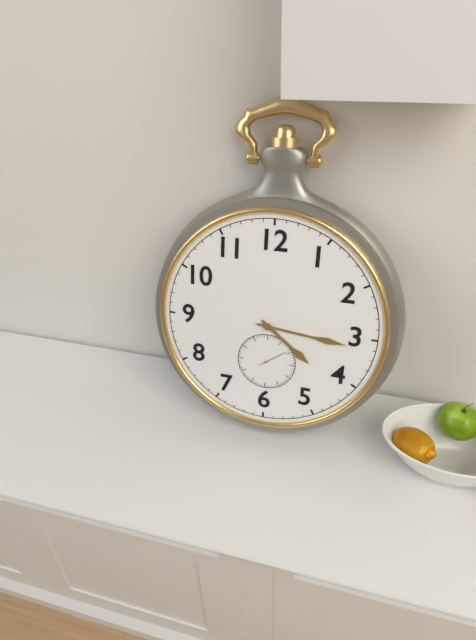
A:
4,16
